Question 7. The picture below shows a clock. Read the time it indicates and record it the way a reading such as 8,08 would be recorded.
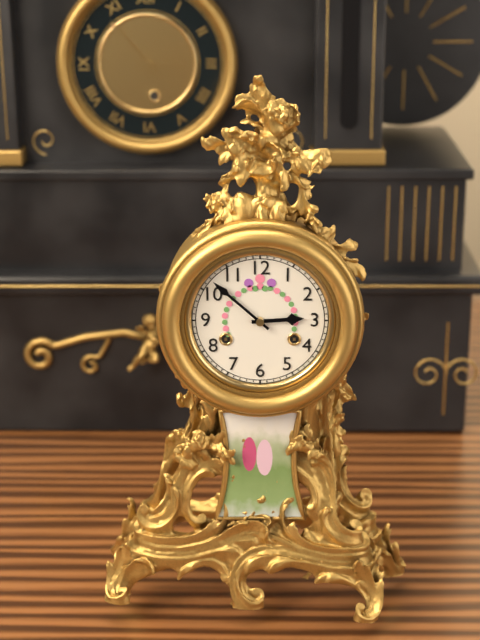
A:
2,52
